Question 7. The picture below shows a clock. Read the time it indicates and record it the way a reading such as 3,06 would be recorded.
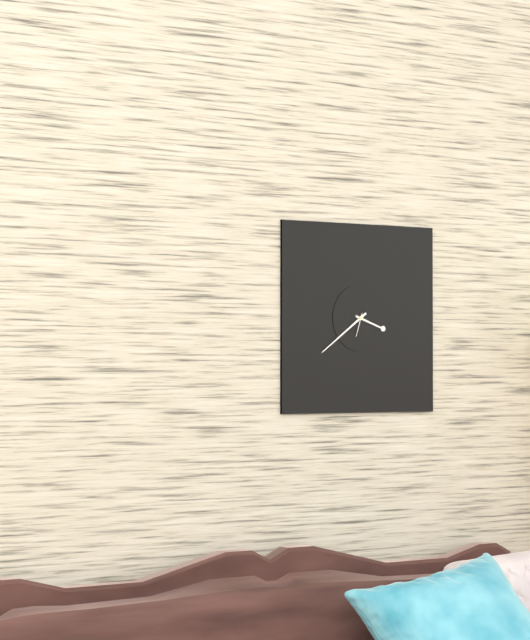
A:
3,39
